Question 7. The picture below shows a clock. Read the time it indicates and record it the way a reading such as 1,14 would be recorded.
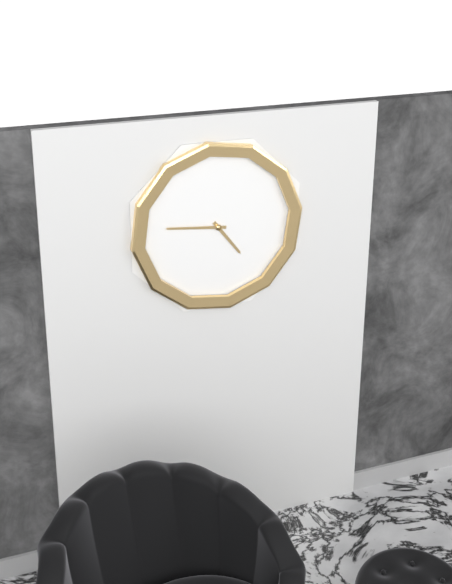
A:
4,46
